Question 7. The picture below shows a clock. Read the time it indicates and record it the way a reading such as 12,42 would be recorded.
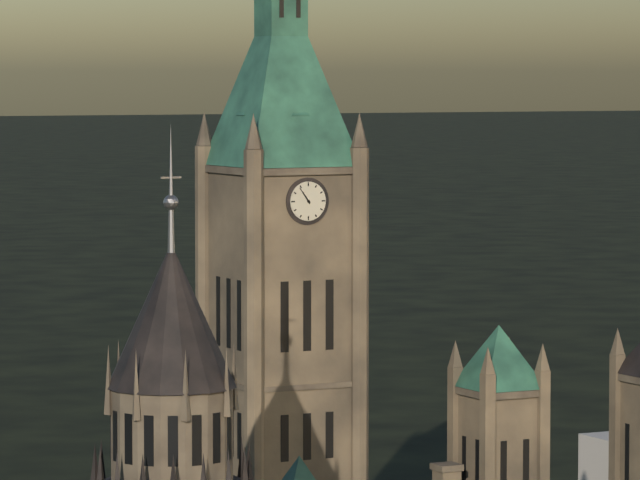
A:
10,54
